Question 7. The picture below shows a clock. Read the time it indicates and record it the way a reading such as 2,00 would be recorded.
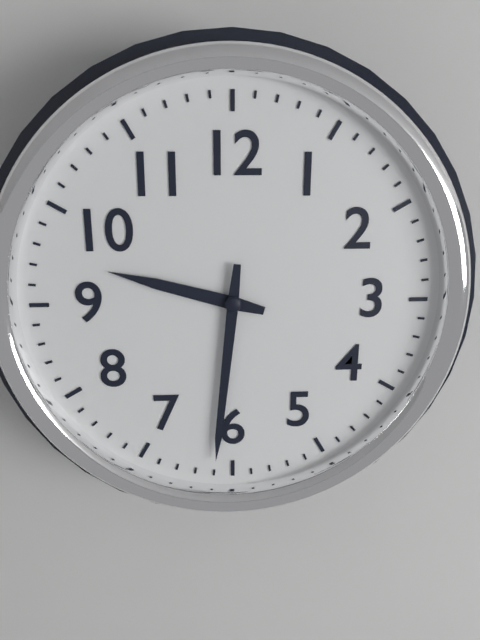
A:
9,31
